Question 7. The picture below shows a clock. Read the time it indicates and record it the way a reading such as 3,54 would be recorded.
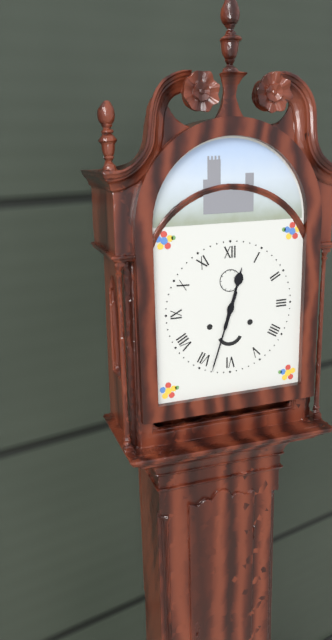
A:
12,33
